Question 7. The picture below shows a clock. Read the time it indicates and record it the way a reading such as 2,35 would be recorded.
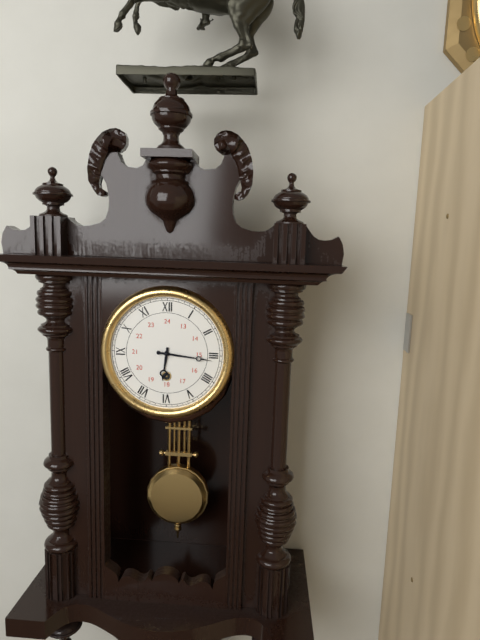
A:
6,16
